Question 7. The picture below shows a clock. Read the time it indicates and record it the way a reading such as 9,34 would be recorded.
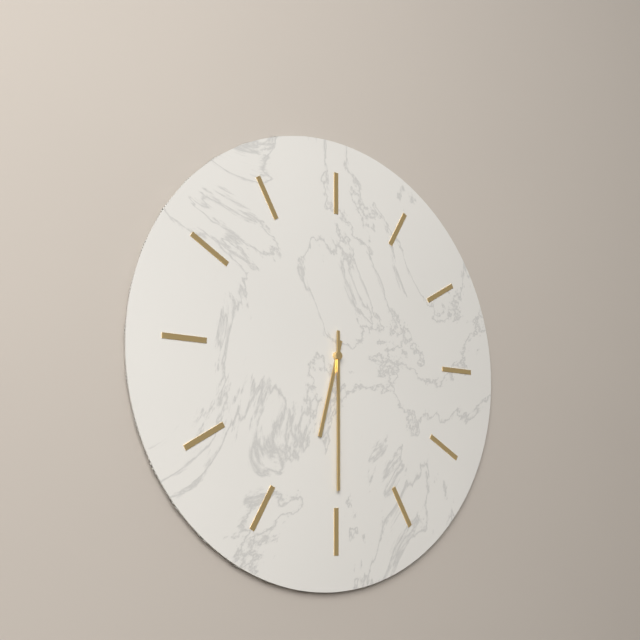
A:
6,30
